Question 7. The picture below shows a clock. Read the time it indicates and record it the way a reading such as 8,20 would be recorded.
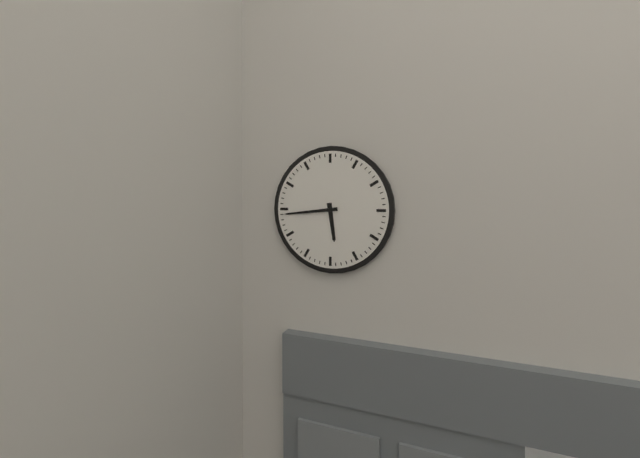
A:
5,44
